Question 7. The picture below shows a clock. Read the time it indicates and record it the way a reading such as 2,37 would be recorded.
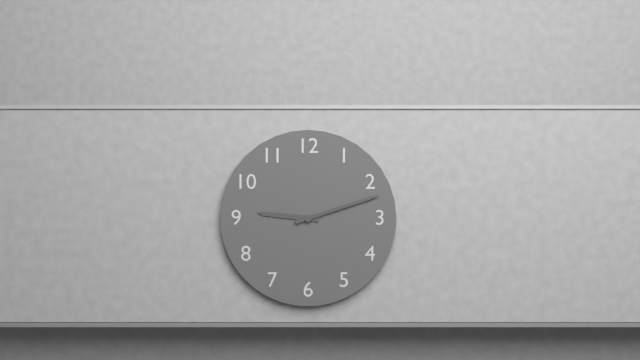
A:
9,12
